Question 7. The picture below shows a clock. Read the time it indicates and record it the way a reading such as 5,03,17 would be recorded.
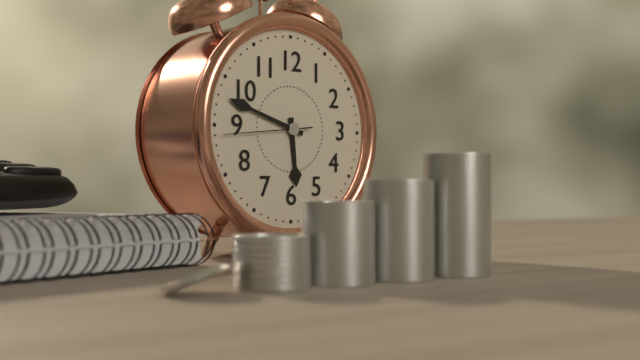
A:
5,48,44
